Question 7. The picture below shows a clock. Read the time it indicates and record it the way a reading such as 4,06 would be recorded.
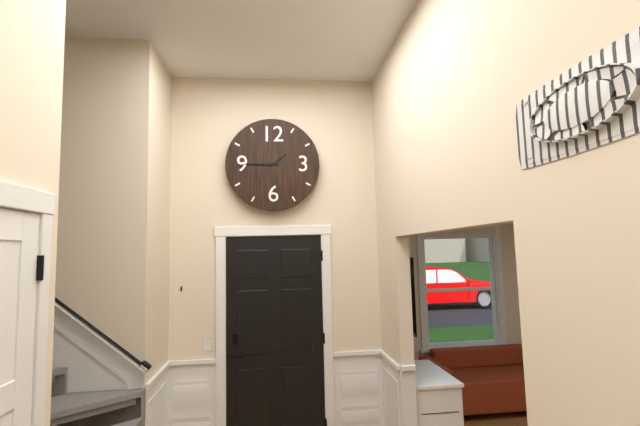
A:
1,45
